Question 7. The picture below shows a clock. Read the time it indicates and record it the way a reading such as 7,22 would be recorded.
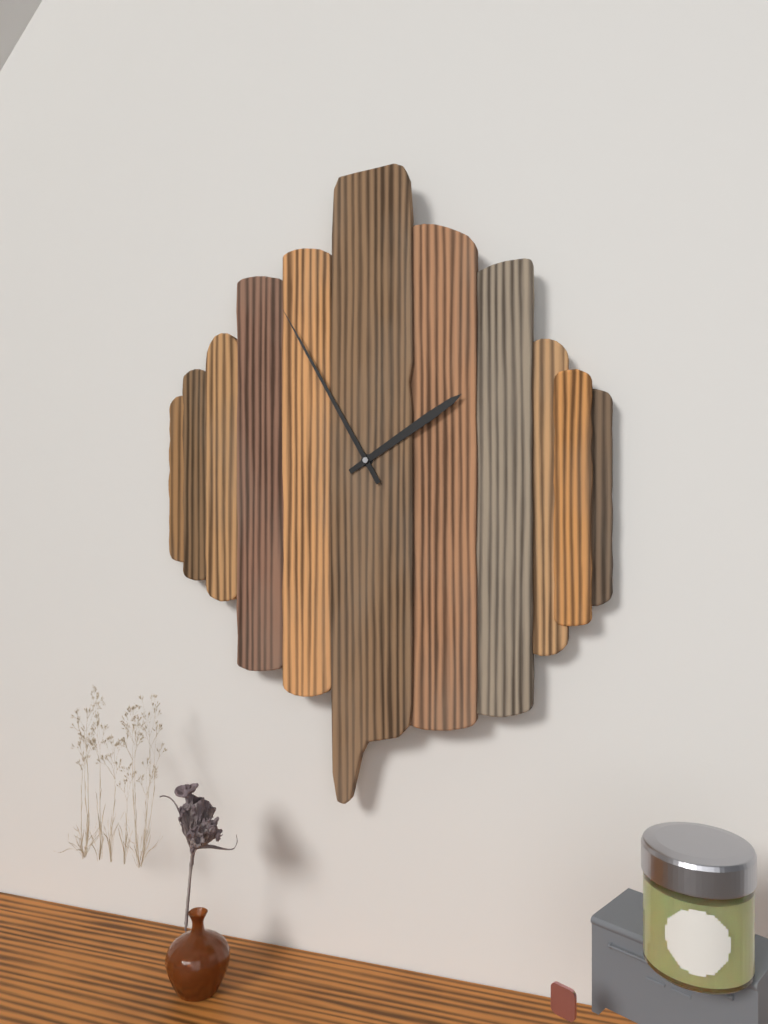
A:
1,55
